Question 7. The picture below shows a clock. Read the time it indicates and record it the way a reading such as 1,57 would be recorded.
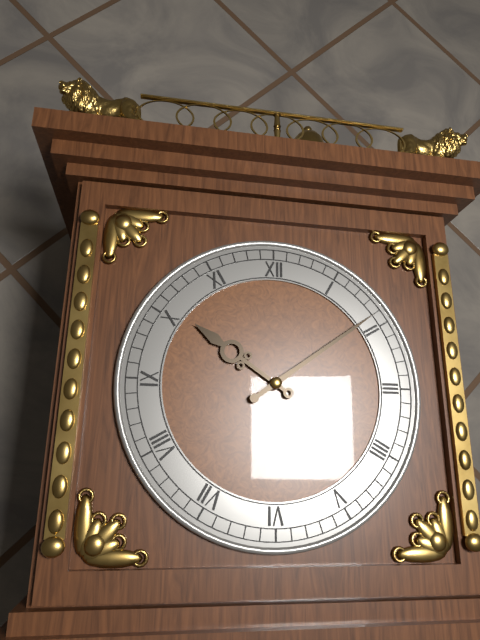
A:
10,09
